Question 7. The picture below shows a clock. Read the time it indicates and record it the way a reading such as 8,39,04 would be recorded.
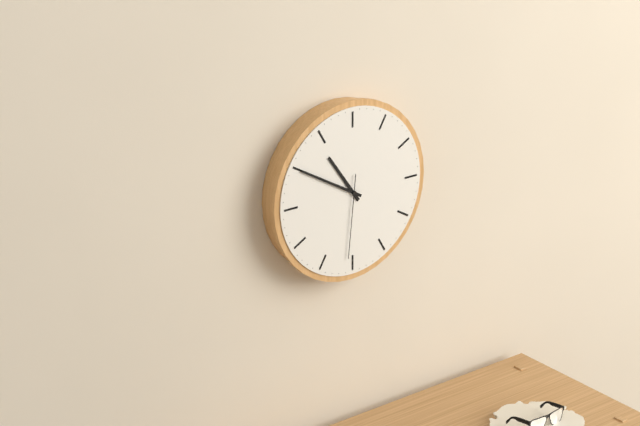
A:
10,50,31
